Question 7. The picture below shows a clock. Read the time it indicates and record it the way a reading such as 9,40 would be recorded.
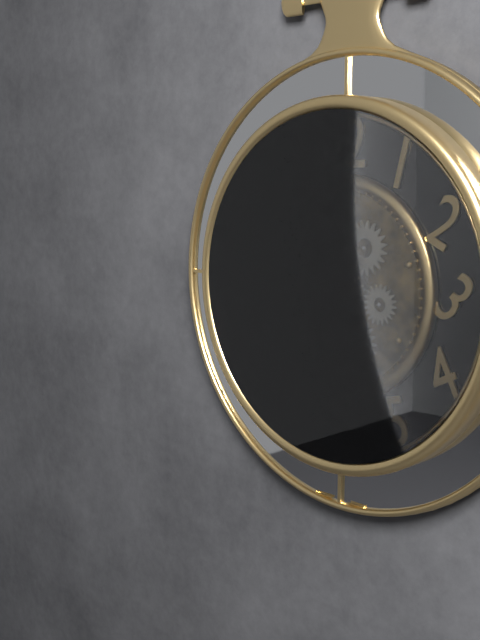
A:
7,37
